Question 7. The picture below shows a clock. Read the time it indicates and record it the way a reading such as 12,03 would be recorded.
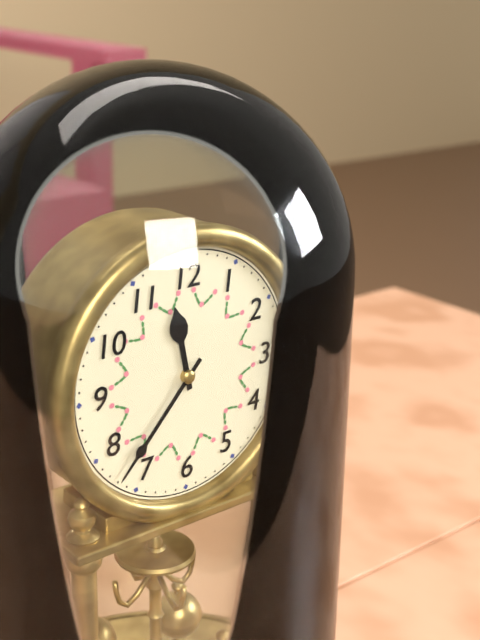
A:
11,37
